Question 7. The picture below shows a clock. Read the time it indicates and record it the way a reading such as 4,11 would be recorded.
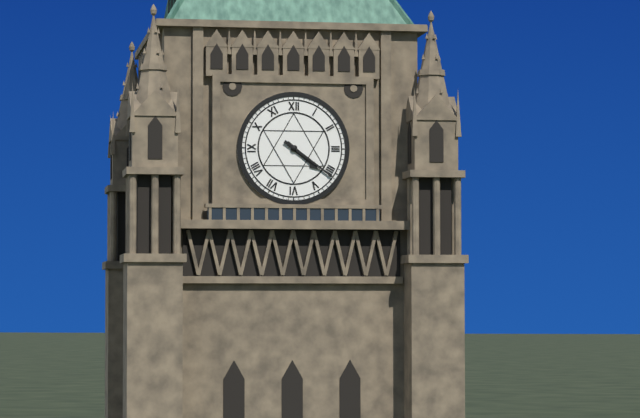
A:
4,21
